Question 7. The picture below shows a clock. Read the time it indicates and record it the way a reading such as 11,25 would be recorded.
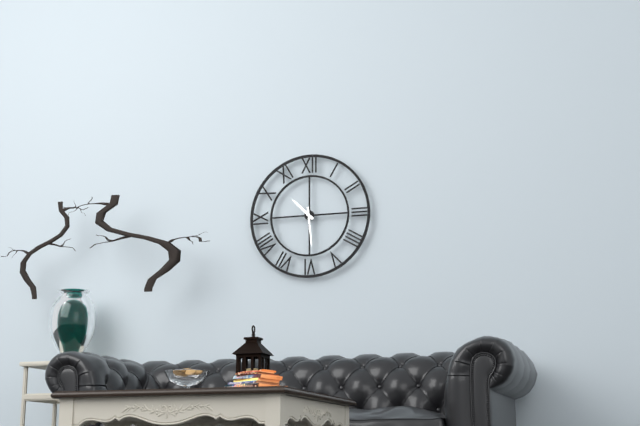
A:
10,29
